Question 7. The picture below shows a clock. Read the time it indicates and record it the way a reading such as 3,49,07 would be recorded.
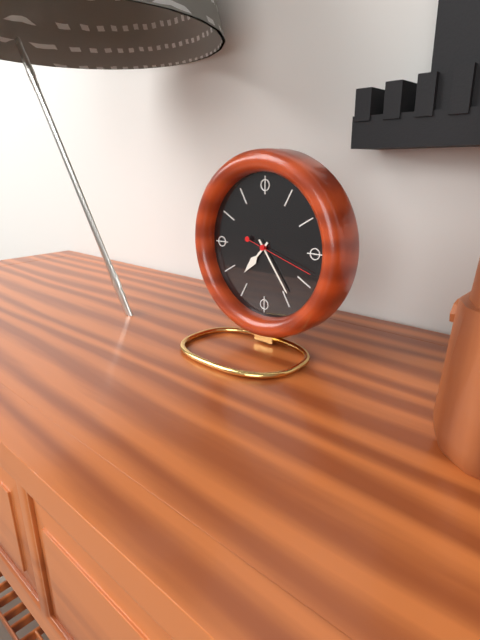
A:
7,24,18
